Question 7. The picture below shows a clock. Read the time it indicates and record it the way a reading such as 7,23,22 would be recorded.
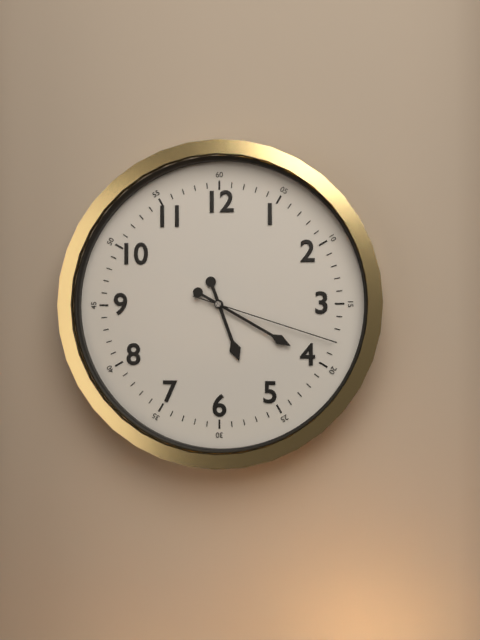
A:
5,20,18
